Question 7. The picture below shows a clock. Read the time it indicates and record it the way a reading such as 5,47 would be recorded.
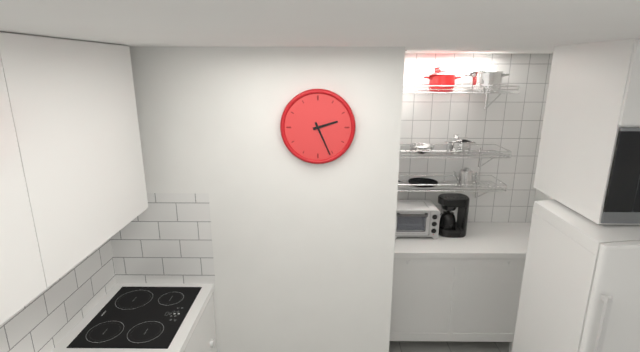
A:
2,26
